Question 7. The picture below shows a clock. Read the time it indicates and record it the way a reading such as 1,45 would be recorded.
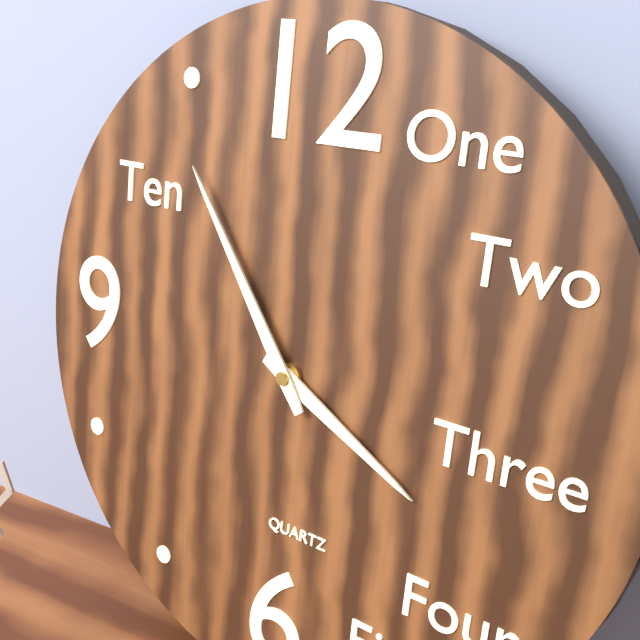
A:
3,54
